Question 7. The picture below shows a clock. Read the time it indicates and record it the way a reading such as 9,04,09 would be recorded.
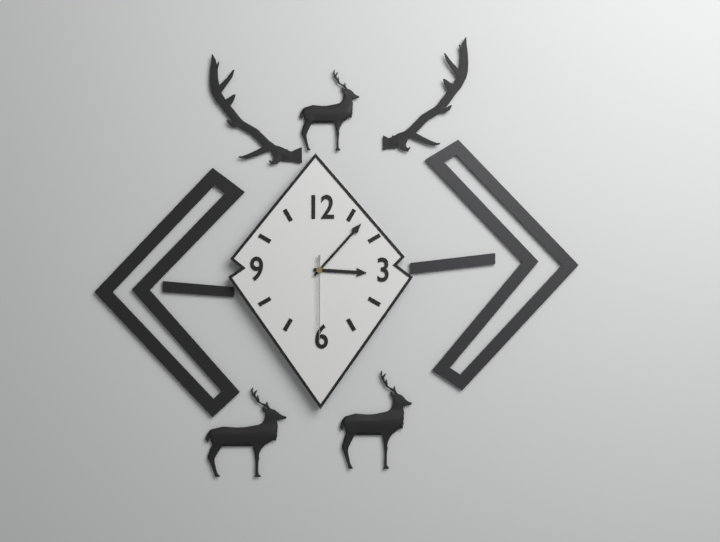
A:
3,07,30
